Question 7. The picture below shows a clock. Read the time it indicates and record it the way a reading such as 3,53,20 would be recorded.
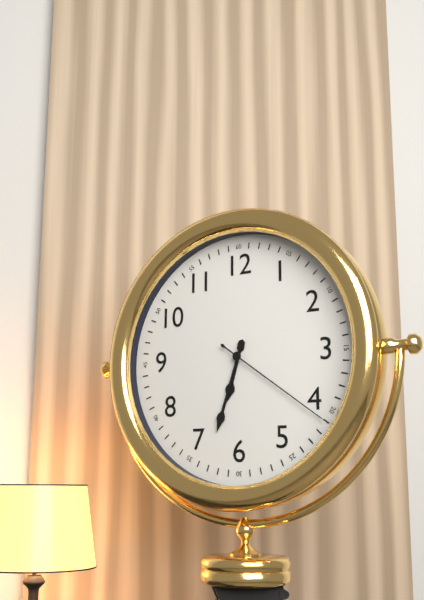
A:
6,33,21
